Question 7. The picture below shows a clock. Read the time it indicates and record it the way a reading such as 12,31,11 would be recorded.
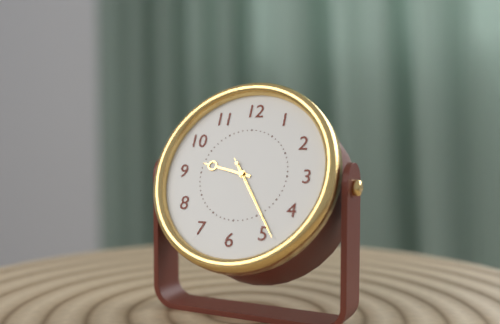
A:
9,24,24
